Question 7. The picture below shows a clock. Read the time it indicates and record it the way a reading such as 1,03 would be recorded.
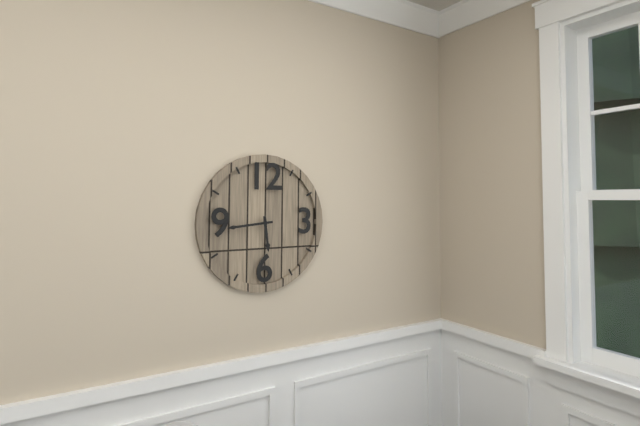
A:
5,44
